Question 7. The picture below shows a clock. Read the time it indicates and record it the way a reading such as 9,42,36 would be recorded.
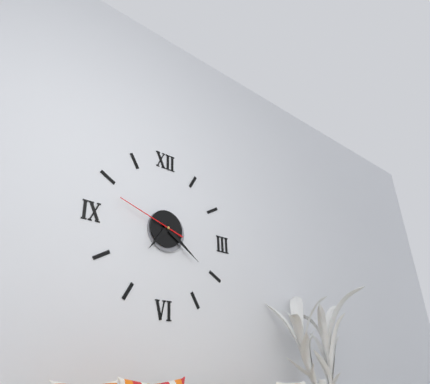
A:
7,21,48
